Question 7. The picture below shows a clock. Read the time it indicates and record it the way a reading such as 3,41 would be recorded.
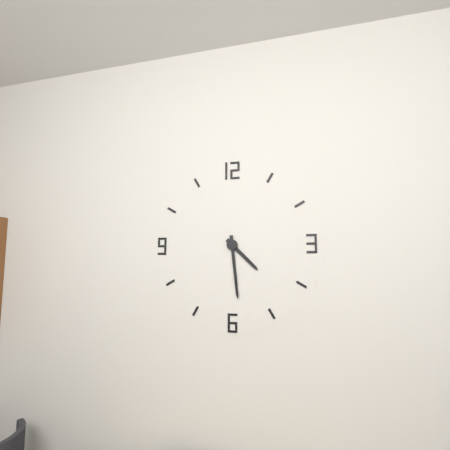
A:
4,29
